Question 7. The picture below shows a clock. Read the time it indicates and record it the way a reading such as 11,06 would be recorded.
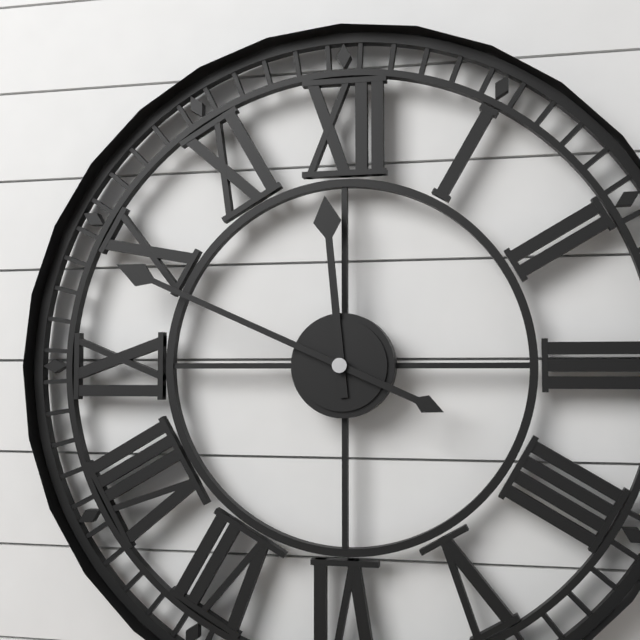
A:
11,49
